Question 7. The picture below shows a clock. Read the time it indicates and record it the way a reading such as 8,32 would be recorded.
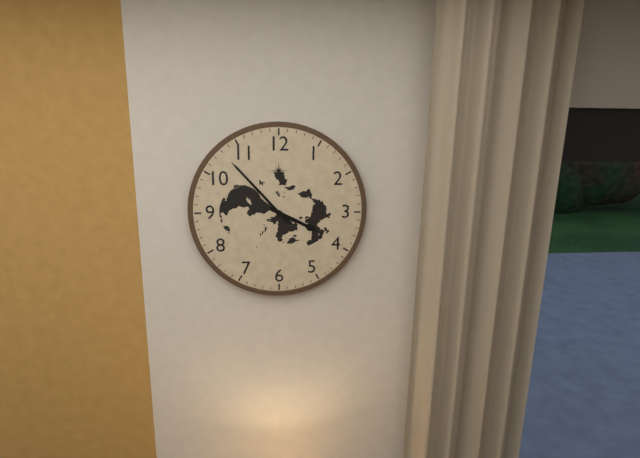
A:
3,53
